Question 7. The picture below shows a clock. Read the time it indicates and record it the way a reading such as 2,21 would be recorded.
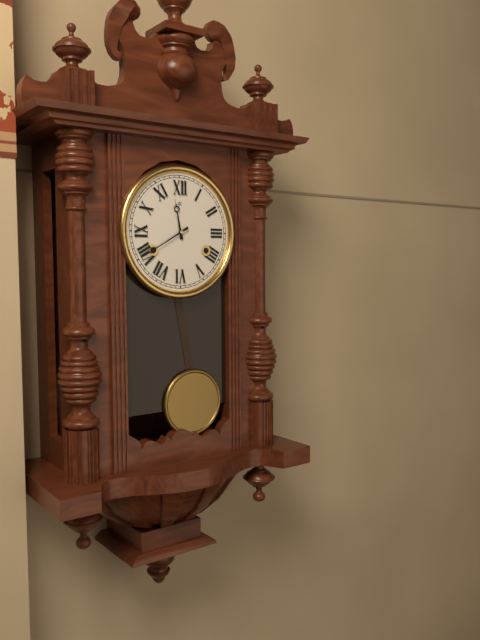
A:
11,40
